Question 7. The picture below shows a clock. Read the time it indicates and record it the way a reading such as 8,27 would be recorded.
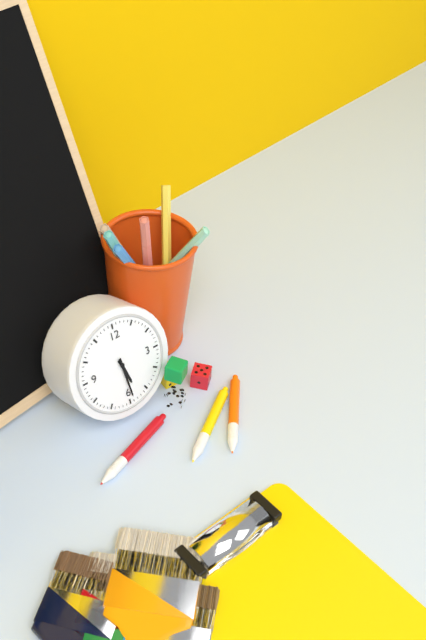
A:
5,29
